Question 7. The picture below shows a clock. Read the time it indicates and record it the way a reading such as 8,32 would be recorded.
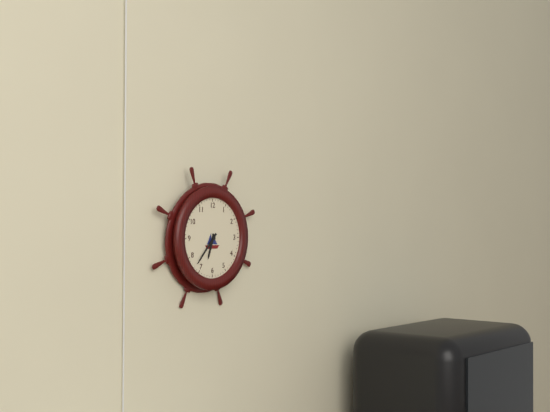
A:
6,37
